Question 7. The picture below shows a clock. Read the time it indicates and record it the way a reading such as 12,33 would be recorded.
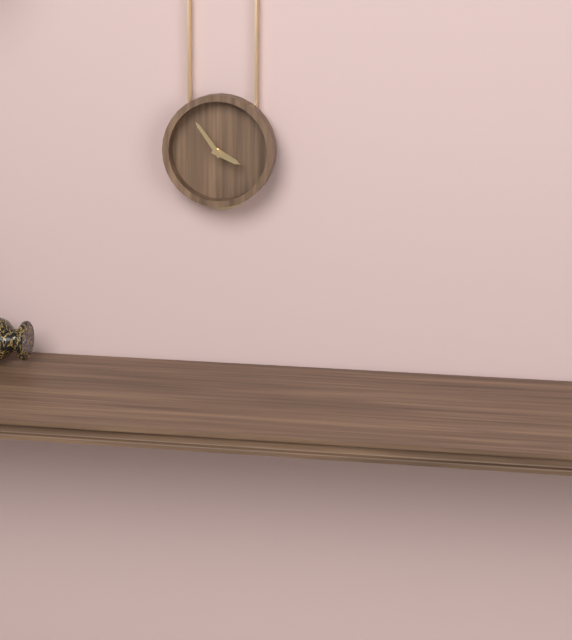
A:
3,54
